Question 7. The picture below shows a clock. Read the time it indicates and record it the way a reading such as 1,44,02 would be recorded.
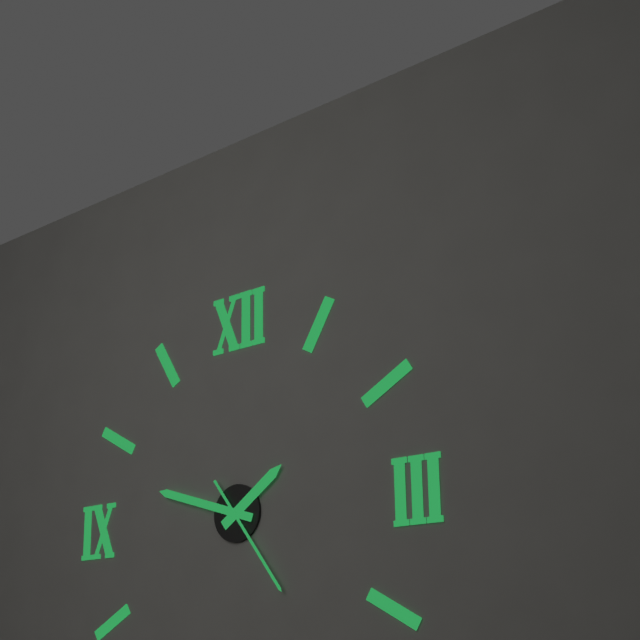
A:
1,48,24
